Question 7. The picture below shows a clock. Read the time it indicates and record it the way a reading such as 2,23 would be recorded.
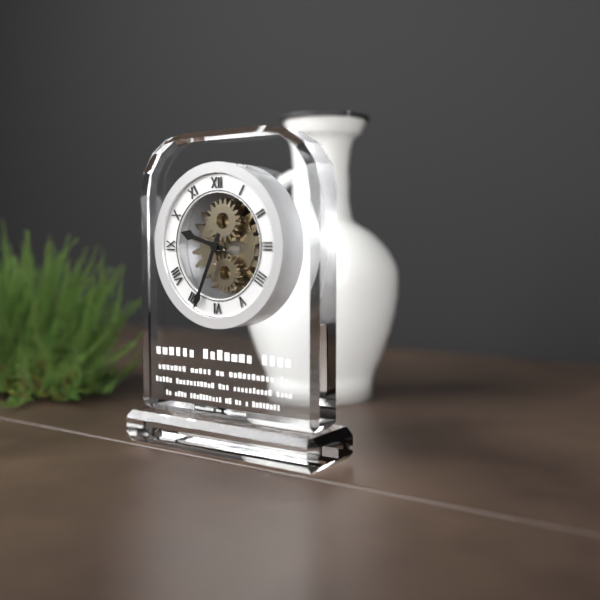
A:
9,34
